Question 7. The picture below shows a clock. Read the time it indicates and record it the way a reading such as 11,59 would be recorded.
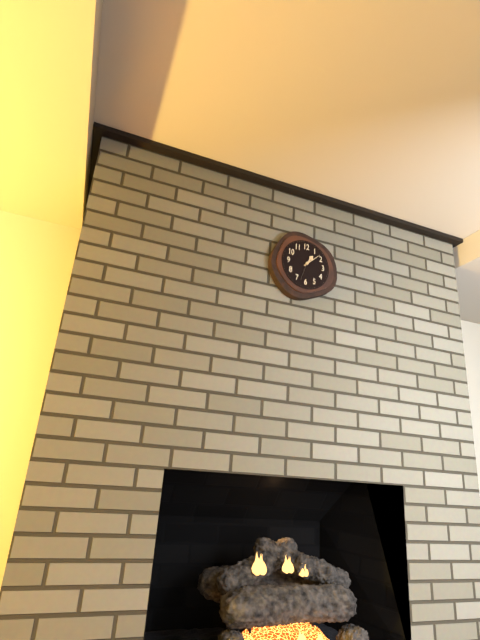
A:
1,08
